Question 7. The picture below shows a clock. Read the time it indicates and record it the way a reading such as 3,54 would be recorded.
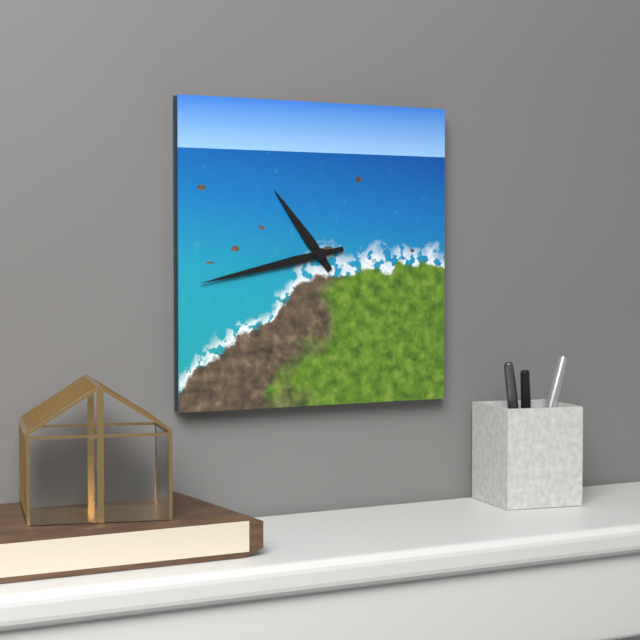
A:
10,43
